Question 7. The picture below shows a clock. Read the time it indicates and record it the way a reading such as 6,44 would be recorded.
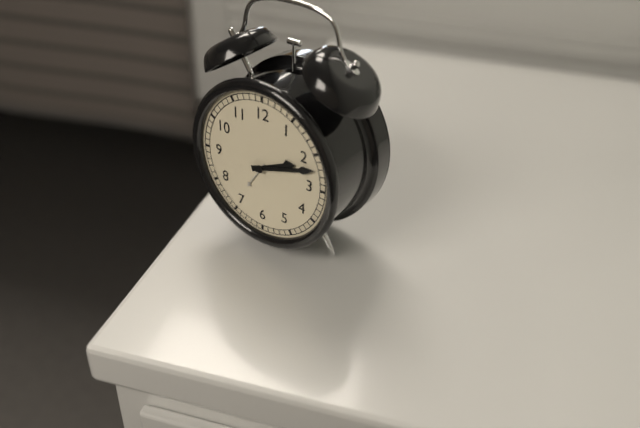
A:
2,12
